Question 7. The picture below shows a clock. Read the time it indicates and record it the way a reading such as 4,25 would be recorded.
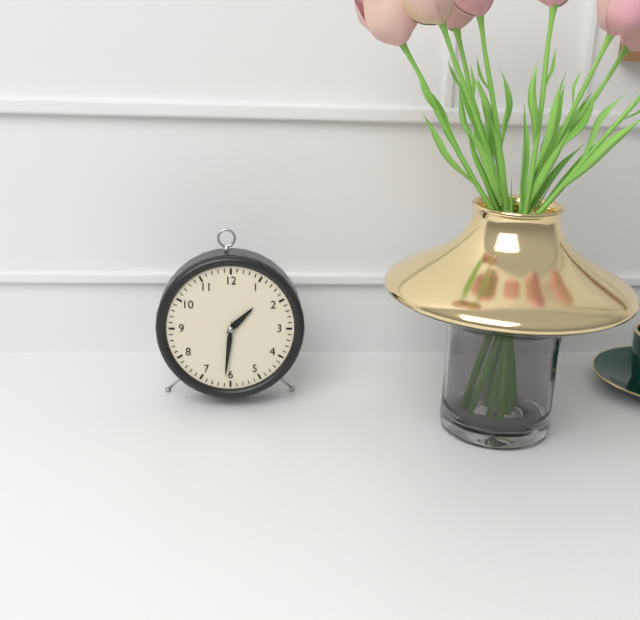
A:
1,31
